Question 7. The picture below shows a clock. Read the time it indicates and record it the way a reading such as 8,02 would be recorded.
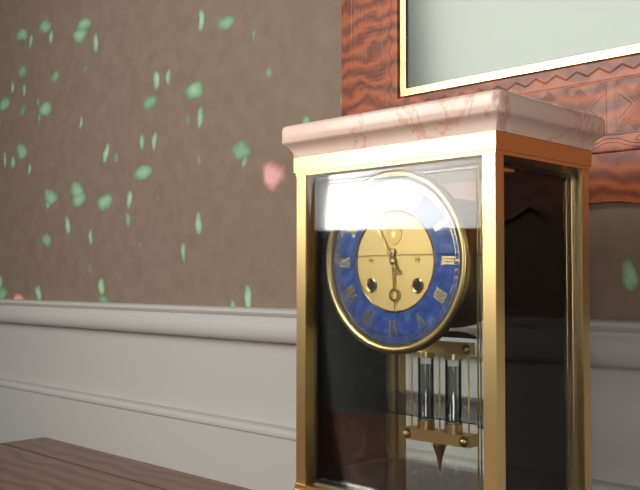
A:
5,55
